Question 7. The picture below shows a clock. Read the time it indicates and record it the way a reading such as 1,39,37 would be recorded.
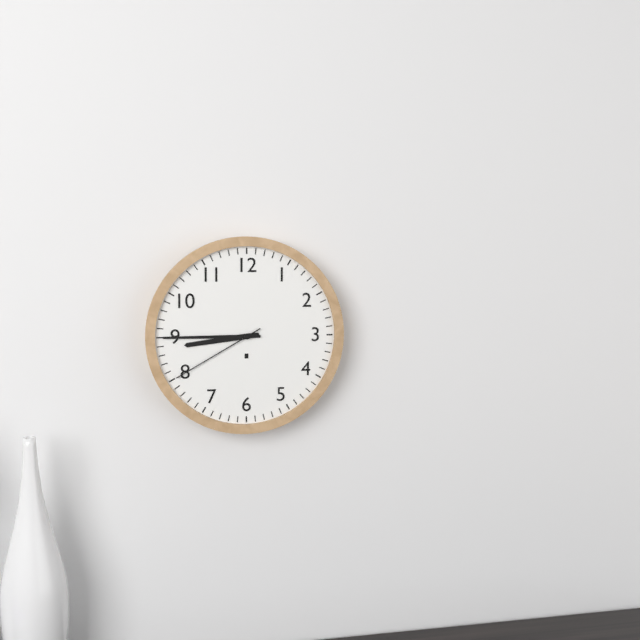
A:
8,45,40
